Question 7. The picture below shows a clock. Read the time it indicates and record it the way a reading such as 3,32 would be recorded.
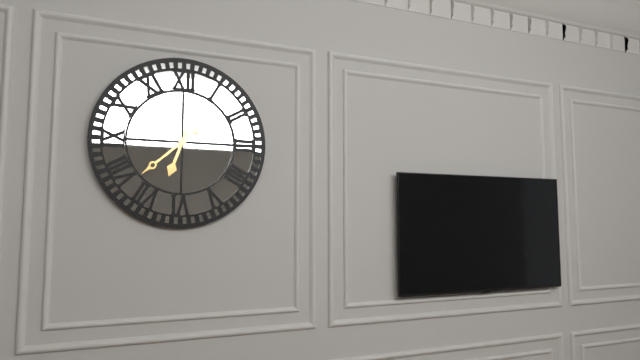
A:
6,38
